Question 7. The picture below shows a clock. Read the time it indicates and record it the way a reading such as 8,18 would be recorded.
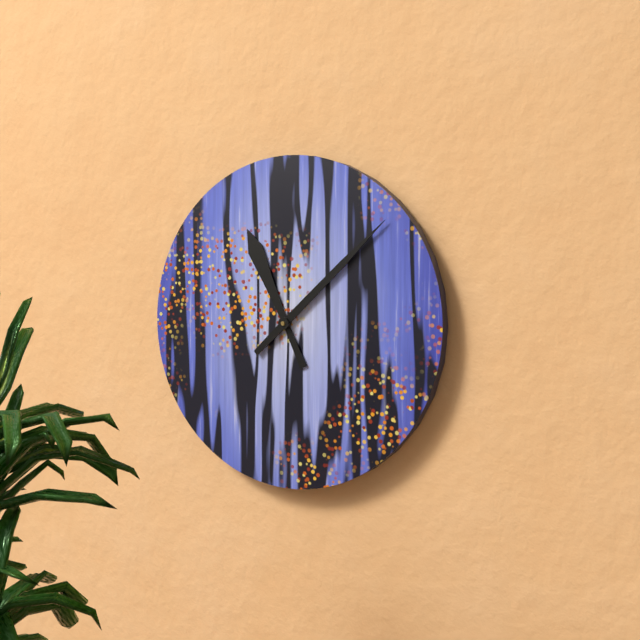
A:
11,08
